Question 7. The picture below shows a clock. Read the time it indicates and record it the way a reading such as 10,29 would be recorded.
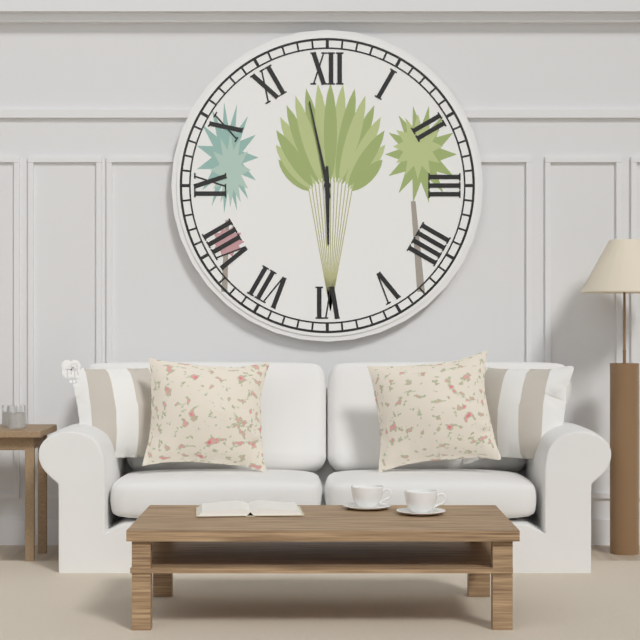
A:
5,58
